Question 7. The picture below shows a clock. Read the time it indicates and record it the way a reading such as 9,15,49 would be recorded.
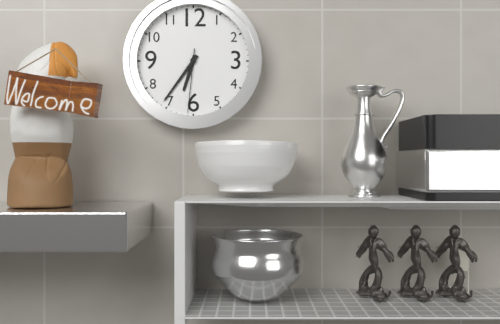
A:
6,36,31
